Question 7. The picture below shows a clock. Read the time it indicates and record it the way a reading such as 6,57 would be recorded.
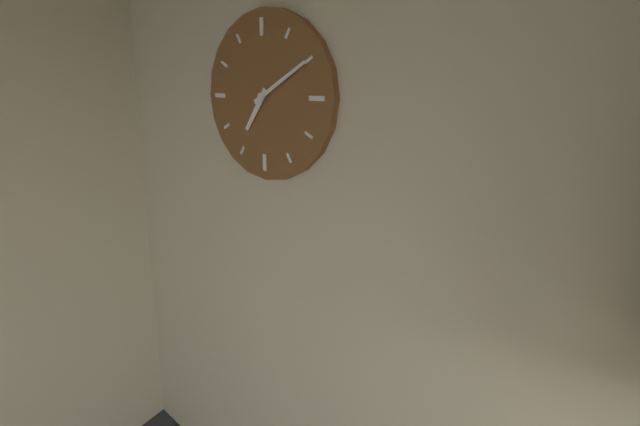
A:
7,10
